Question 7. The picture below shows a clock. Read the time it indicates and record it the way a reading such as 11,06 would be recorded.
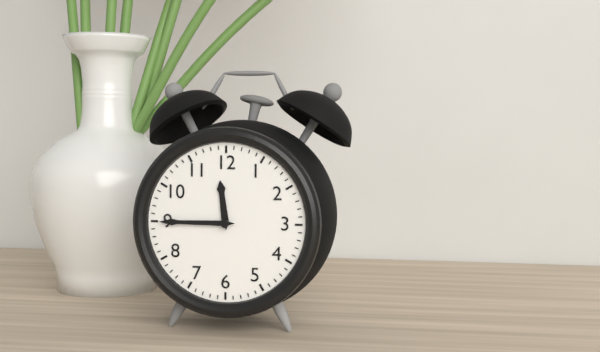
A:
11,45
